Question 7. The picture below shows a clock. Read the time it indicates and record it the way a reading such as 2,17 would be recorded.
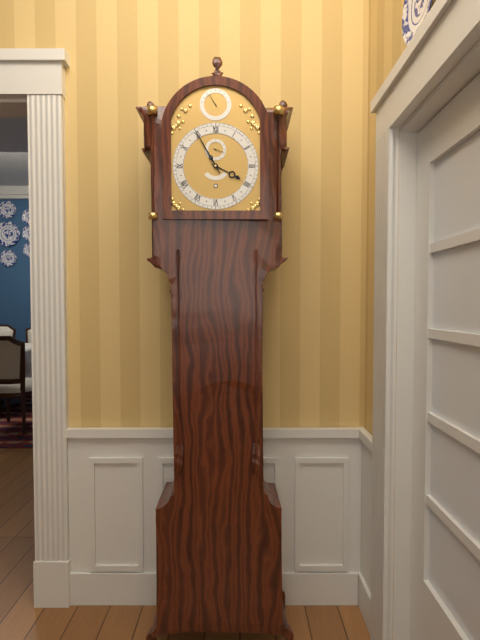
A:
3,55
